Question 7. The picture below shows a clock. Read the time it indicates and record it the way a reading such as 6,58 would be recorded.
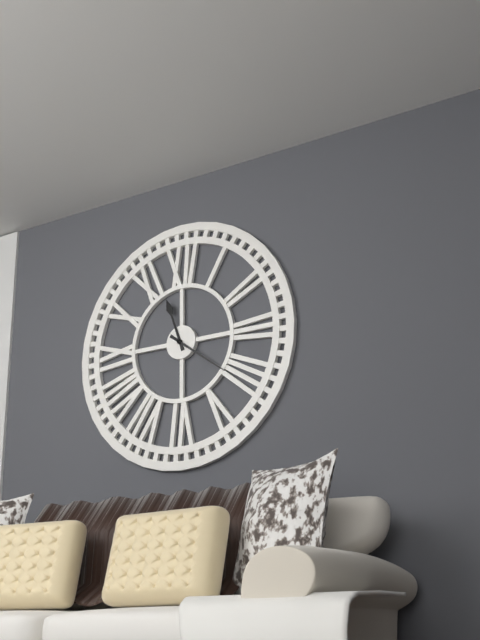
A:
11,21
